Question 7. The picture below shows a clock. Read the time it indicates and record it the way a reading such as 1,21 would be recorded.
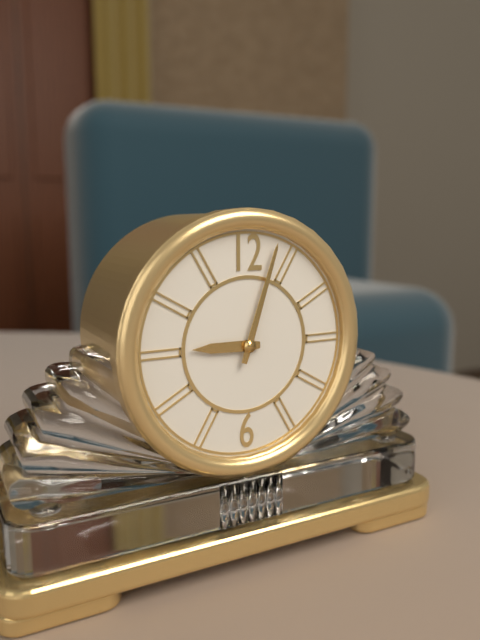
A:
9,03
